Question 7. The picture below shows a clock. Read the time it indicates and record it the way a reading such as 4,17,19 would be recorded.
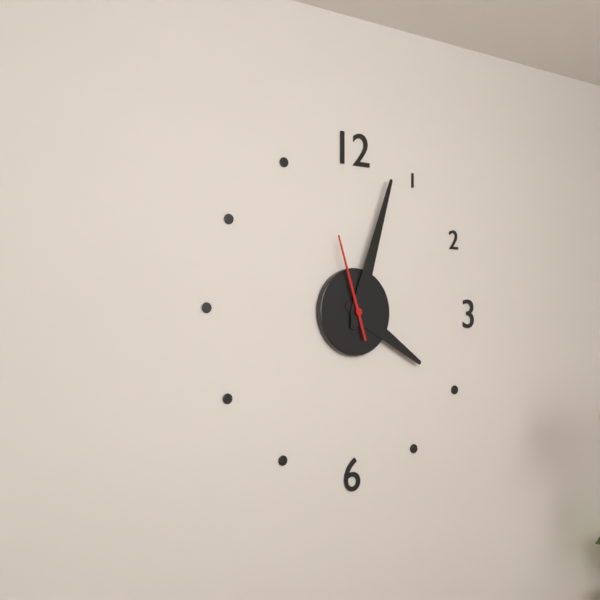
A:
4,03,57
